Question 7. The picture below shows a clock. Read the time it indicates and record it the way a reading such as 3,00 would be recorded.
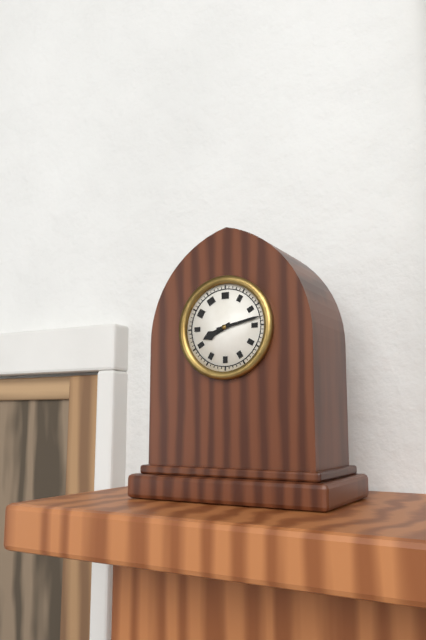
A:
8,13
